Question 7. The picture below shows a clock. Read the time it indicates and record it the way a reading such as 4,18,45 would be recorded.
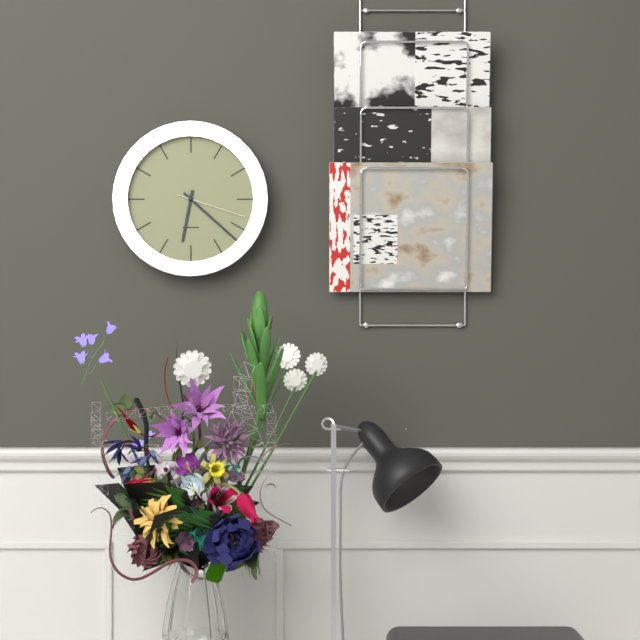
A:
6,22,18
